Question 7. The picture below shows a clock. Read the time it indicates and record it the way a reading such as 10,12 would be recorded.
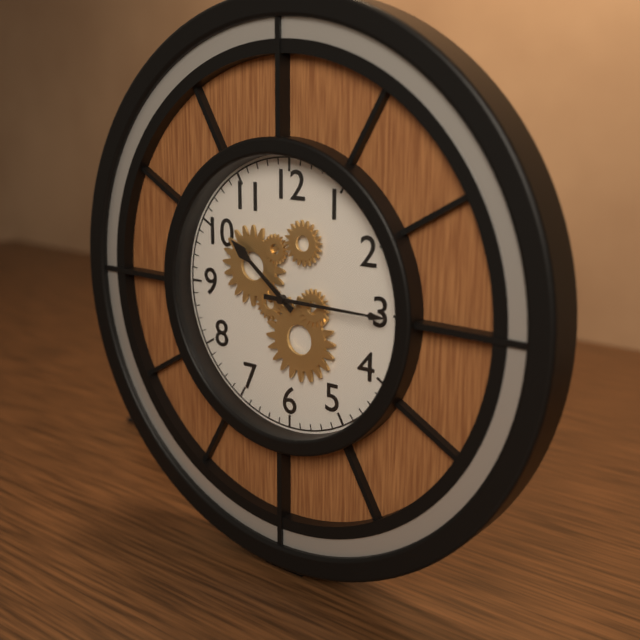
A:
10,15
